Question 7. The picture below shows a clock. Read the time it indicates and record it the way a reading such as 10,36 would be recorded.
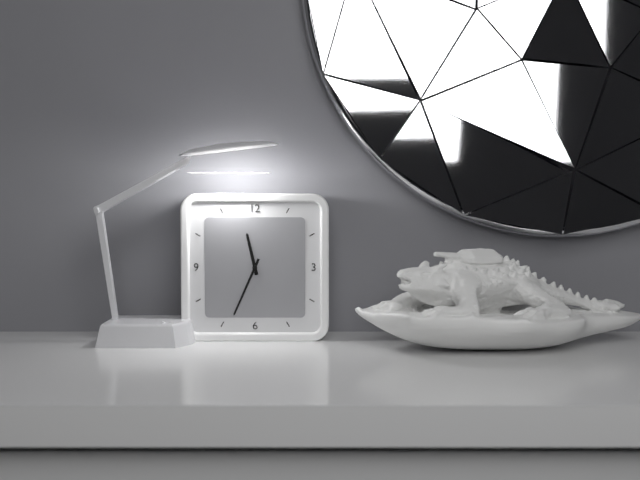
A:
11,34
